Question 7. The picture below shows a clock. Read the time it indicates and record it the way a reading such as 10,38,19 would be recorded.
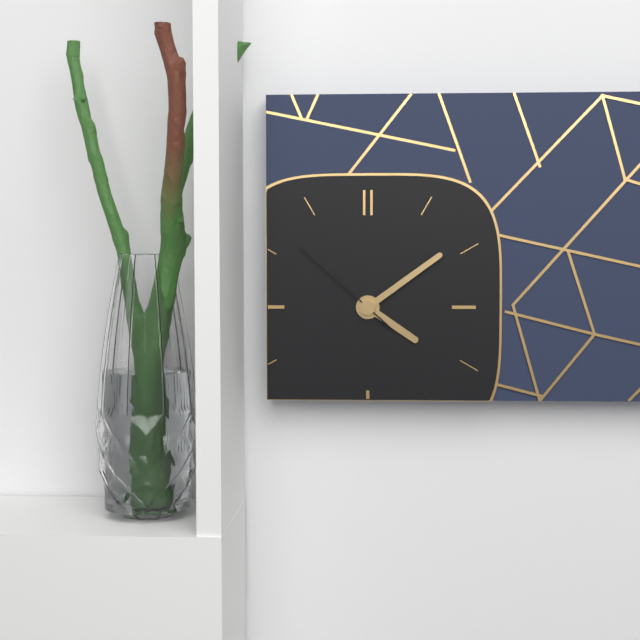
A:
4,09,52
